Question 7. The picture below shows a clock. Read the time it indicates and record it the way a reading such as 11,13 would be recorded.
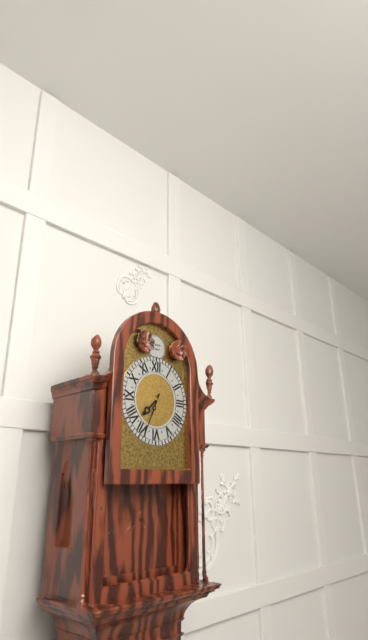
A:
7,34
